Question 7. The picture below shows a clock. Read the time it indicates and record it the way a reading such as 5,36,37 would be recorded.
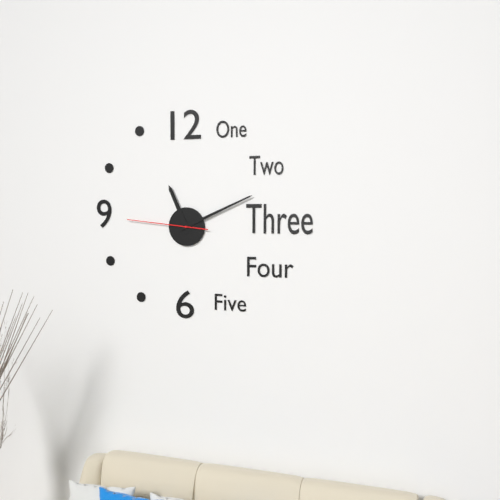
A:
11,11,46
